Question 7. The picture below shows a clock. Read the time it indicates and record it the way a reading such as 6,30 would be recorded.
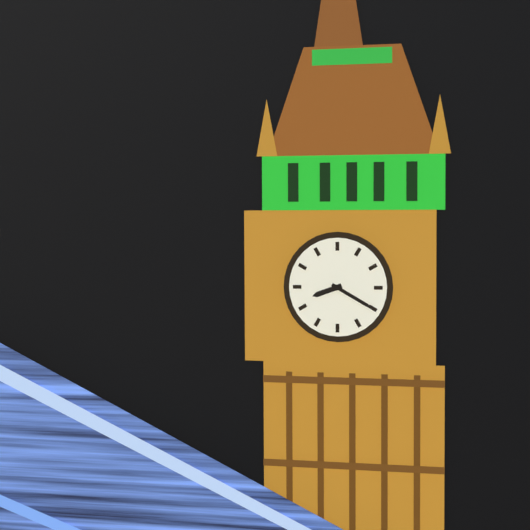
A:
8,20
